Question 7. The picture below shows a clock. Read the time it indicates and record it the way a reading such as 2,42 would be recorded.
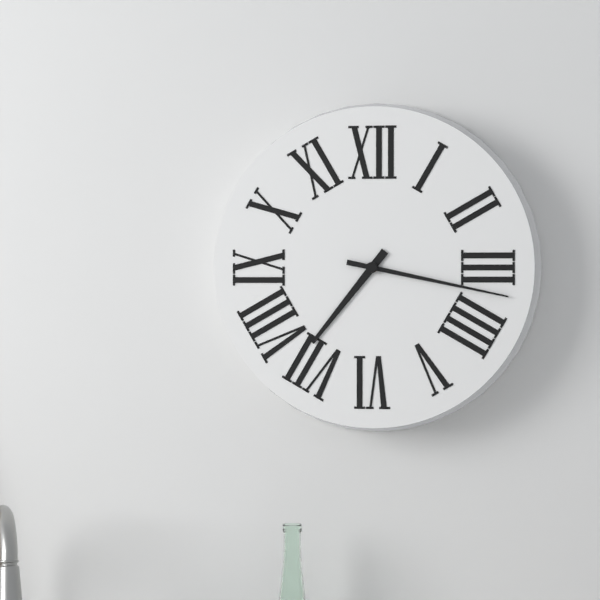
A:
7,17
